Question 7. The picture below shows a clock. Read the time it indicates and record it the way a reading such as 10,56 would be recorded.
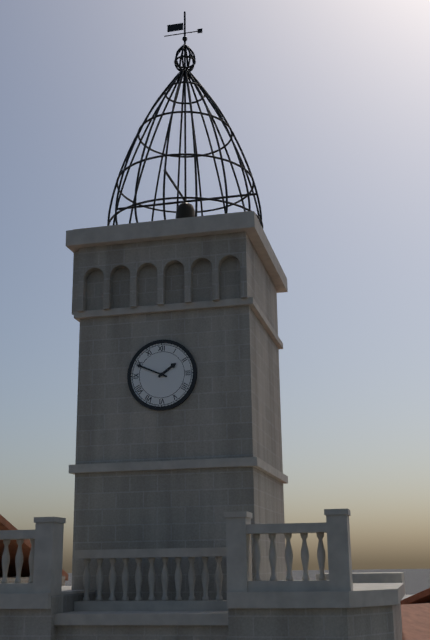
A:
1,49
